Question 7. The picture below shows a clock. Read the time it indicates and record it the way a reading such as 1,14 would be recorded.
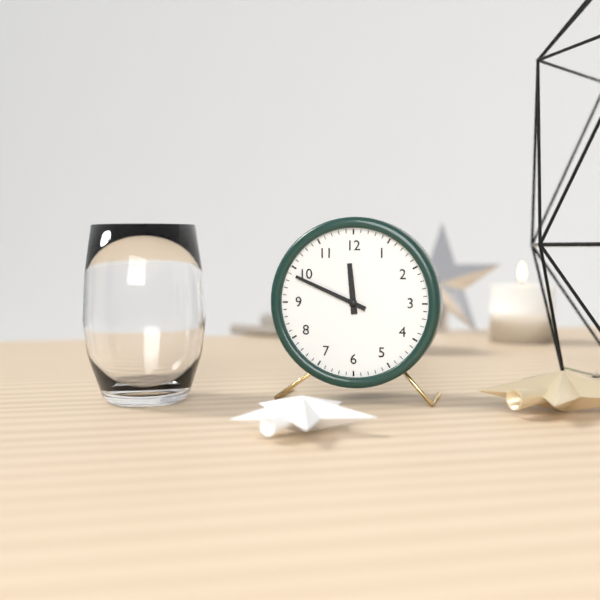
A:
11,49
